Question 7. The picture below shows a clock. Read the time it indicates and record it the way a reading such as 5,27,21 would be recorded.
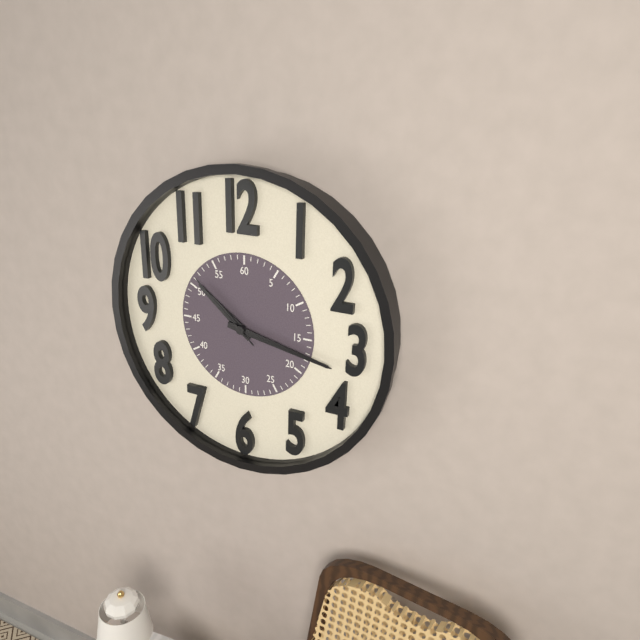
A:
10,17,52
